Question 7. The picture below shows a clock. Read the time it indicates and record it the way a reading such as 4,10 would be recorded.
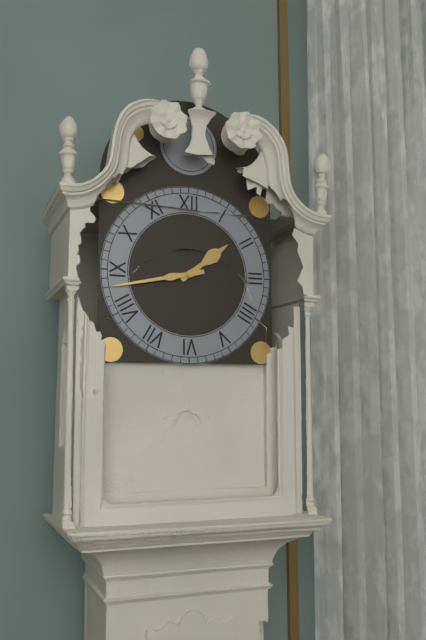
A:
1,43
